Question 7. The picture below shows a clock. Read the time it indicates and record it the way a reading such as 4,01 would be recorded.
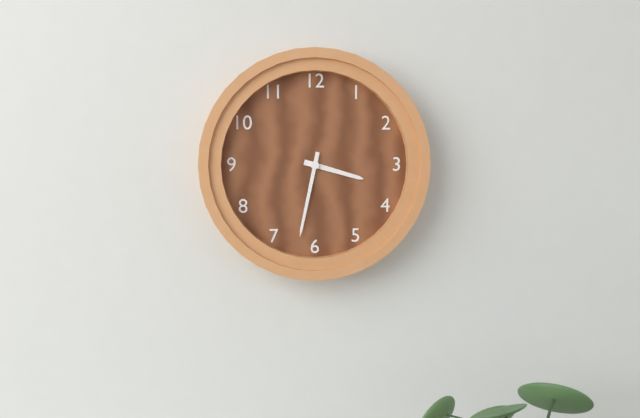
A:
3,32
